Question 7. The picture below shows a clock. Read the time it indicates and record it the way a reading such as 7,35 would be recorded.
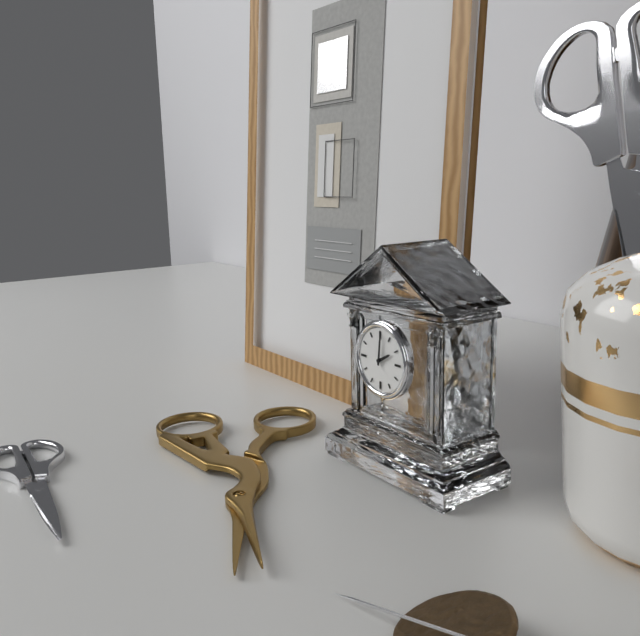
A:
2,01
